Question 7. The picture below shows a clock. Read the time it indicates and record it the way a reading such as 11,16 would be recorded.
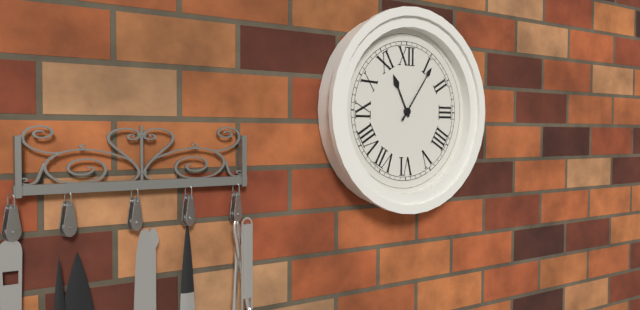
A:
11,06
